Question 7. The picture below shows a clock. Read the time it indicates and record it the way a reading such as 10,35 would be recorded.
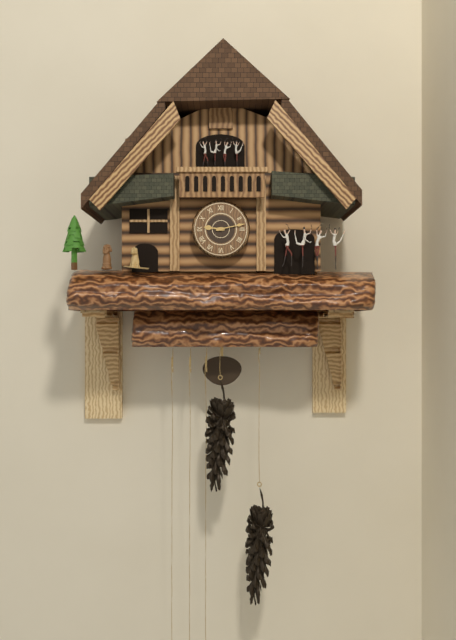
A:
9,13
